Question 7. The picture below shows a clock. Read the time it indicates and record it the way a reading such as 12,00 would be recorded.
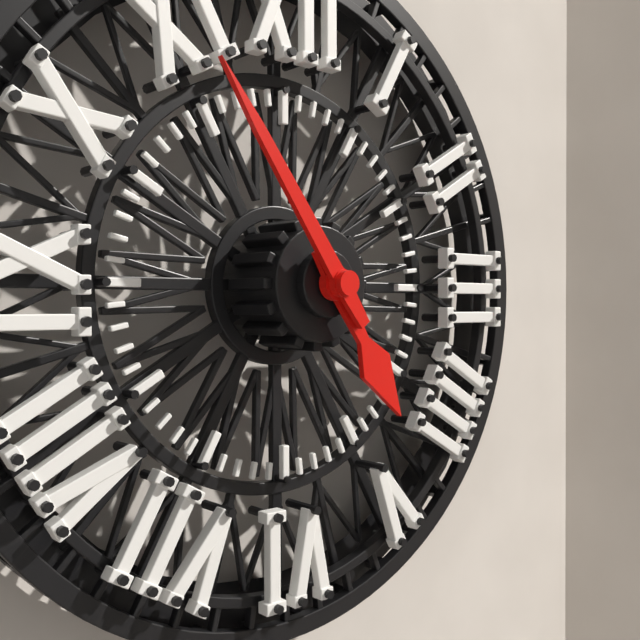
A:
4,54
